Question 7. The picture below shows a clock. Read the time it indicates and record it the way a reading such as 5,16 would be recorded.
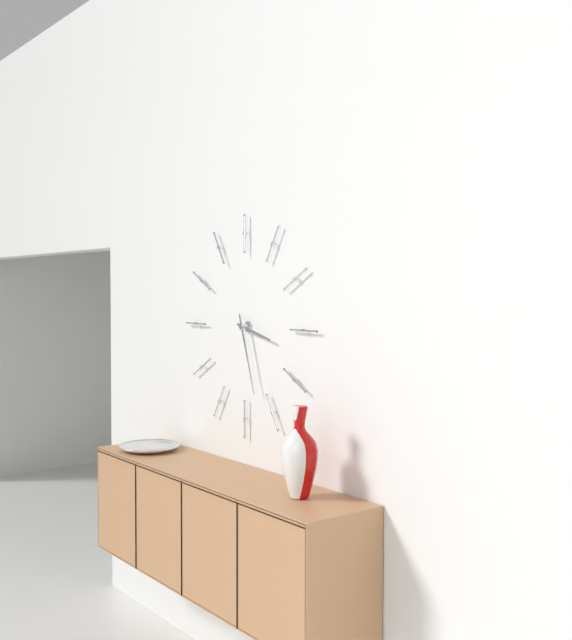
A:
3,27
